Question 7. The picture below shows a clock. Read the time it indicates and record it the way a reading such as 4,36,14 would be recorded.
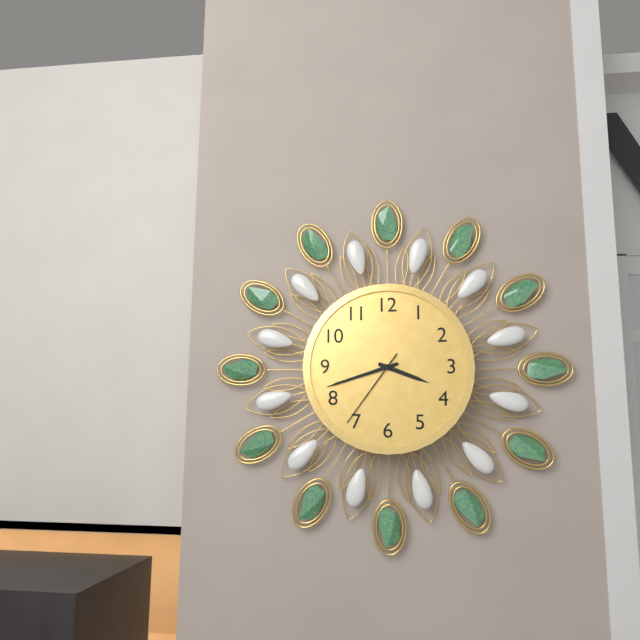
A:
3,42,36
